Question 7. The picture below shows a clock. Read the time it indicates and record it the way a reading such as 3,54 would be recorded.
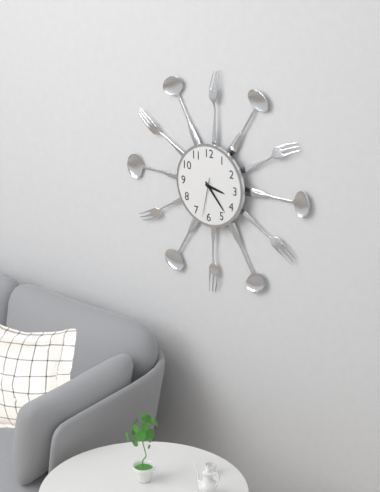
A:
3,23
